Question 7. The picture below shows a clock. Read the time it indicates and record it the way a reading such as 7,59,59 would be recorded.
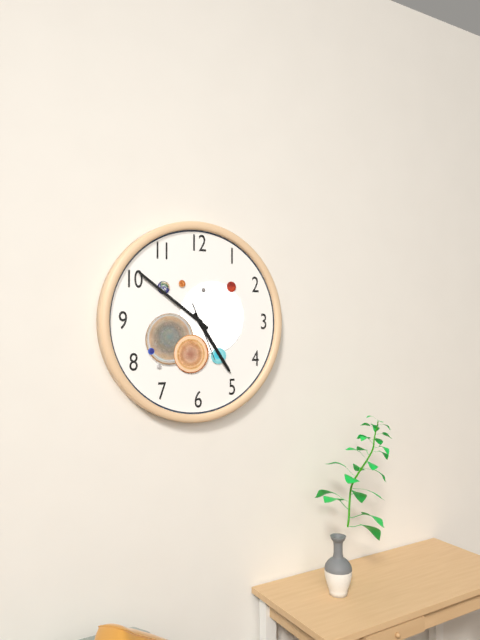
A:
4,51,26
